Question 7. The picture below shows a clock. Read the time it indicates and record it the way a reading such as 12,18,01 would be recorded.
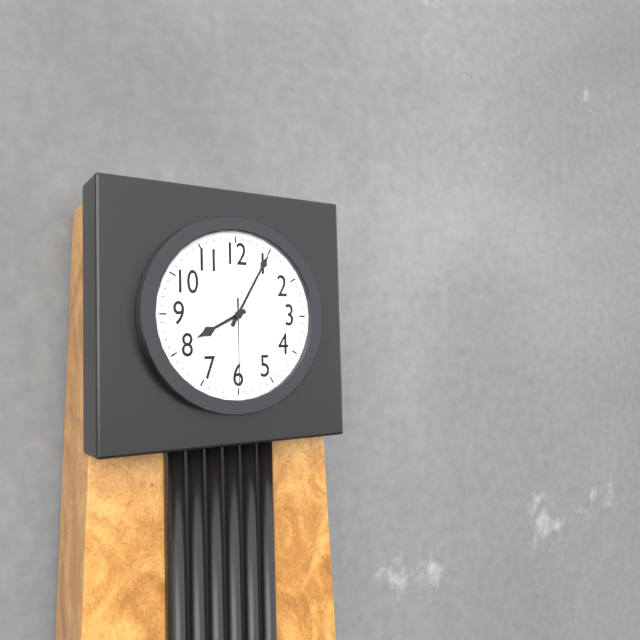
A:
8,05,30
